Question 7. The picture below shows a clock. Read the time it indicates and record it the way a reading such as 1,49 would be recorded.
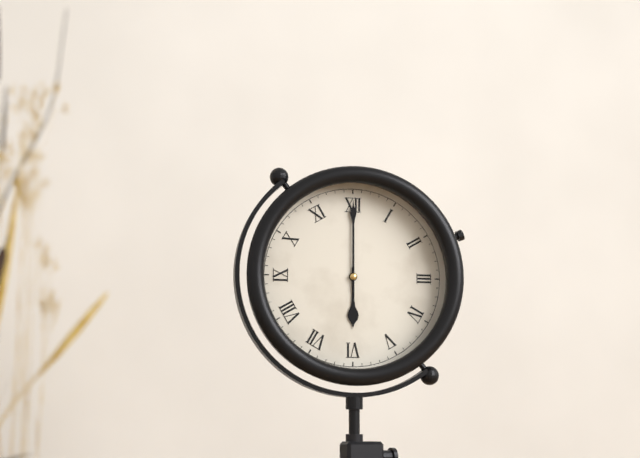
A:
6,00
